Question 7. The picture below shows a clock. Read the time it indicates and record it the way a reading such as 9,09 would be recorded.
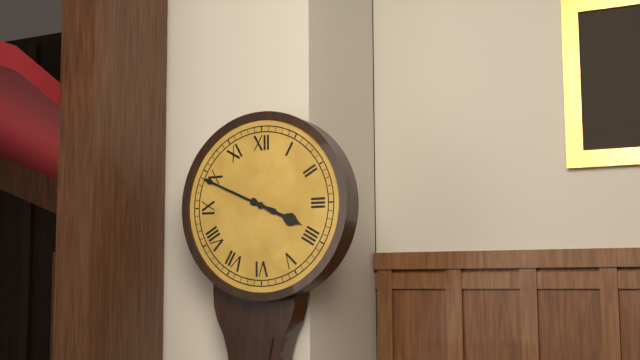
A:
3,49
